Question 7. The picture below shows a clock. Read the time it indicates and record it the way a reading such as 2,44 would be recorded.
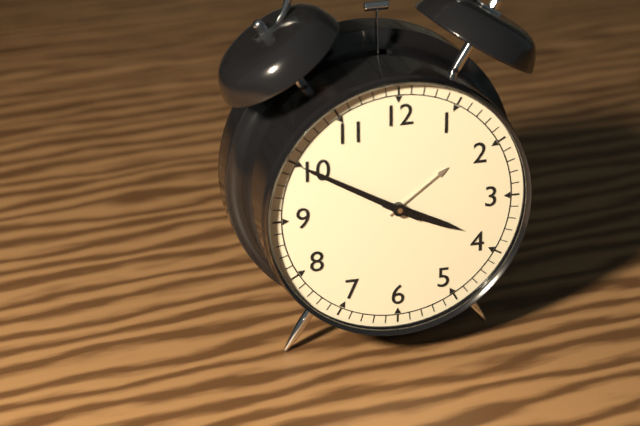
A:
3,50
